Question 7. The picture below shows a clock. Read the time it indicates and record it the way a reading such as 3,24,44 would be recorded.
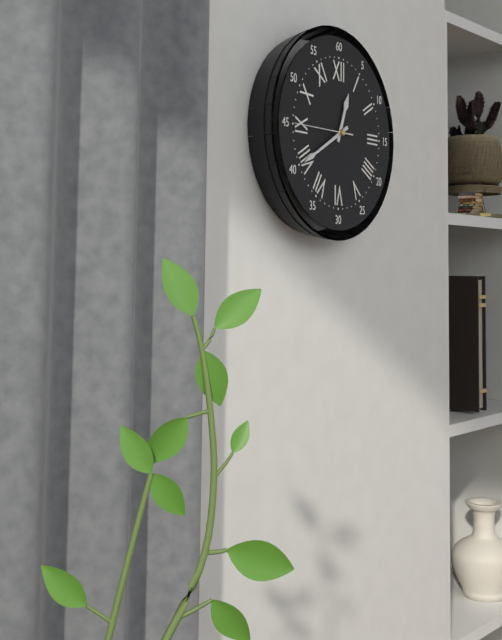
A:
12,40,45
